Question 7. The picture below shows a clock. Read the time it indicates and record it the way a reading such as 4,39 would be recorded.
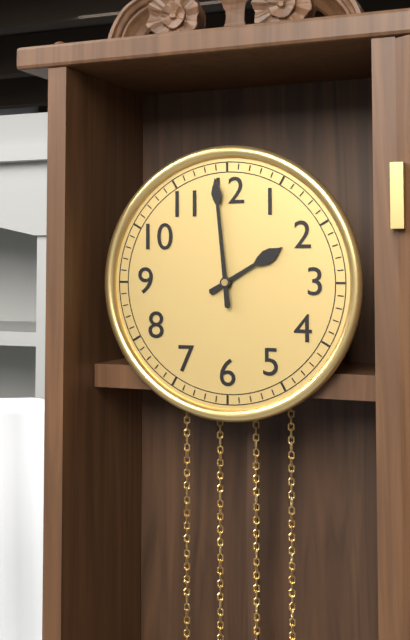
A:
1,59
